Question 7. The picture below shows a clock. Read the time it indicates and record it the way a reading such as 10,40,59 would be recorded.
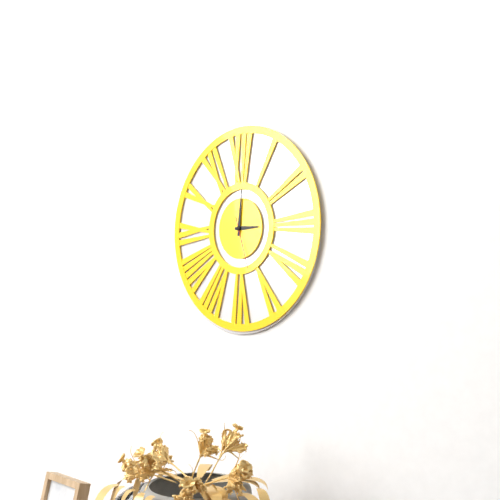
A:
3,01,27
